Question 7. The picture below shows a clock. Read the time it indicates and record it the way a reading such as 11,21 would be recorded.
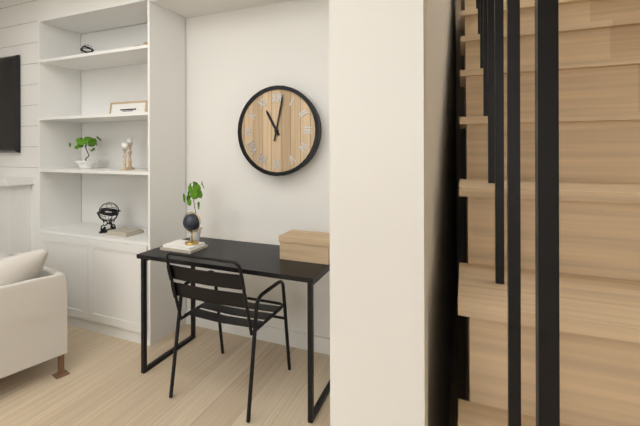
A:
11,02
